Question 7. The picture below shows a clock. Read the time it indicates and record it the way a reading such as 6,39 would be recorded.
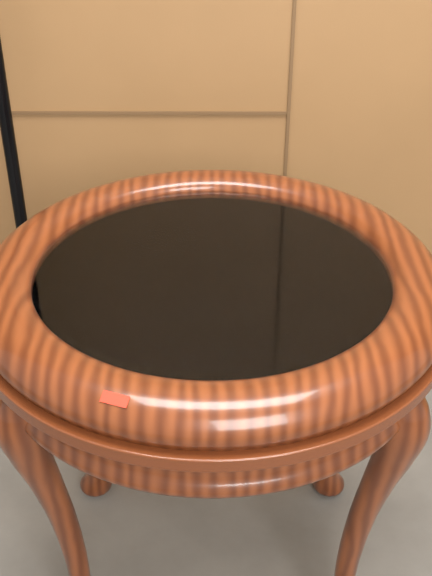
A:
3,39
